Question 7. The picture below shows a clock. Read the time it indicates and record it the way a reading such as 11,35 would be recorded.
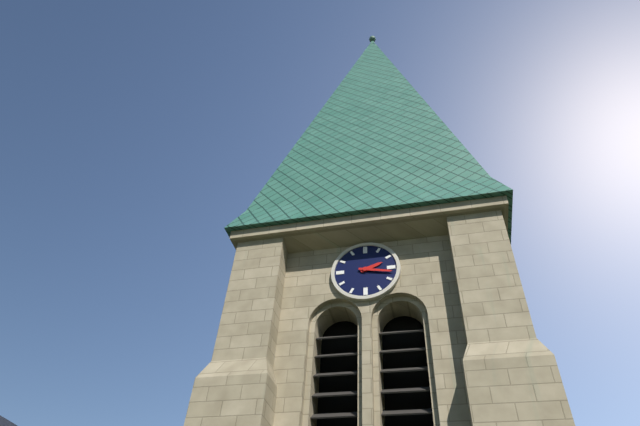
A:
2,17
